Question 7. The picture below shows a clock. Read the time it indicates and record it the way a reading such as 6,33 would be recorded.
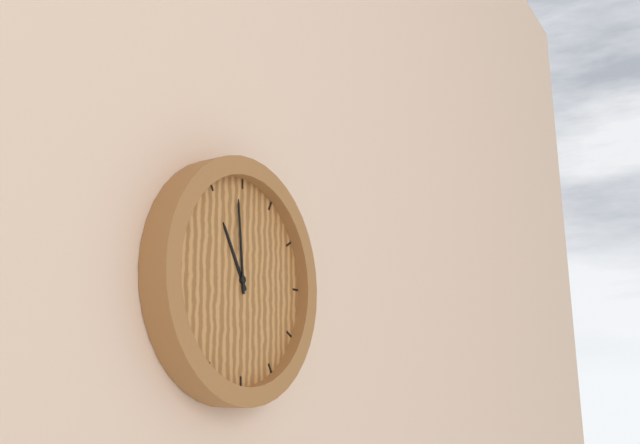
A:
10,59
